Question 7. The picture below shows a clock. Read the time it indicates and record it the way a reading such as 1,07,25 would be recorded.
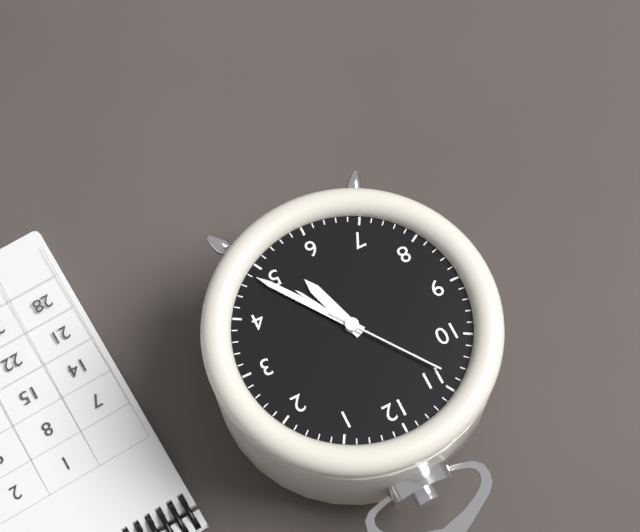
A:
5,24,54
